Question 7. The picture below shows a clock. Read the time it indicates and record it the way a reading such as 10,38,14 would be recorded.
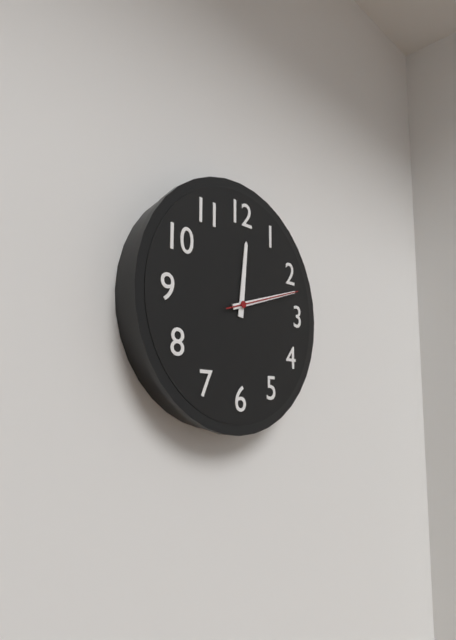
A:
12,12,12
